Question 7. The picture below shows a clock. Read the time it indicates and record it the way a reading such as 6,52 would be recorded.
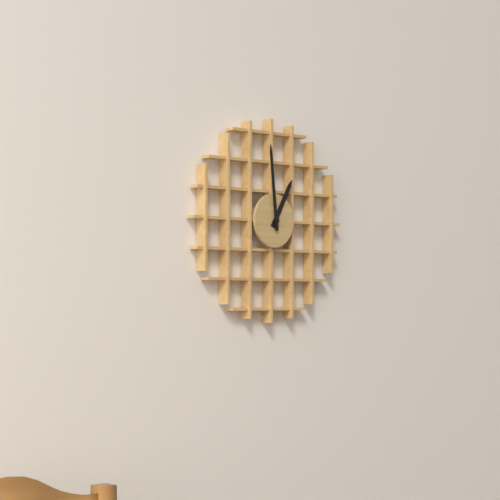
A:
12,59
